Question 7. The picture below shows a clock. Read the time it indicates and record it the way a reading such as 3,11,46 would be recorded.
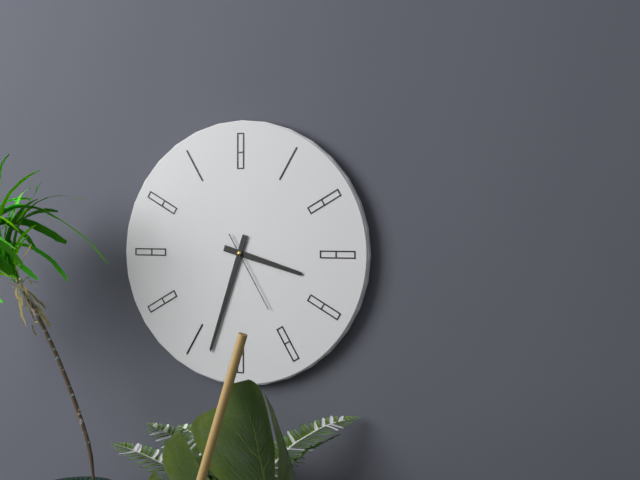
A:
3,33,25
